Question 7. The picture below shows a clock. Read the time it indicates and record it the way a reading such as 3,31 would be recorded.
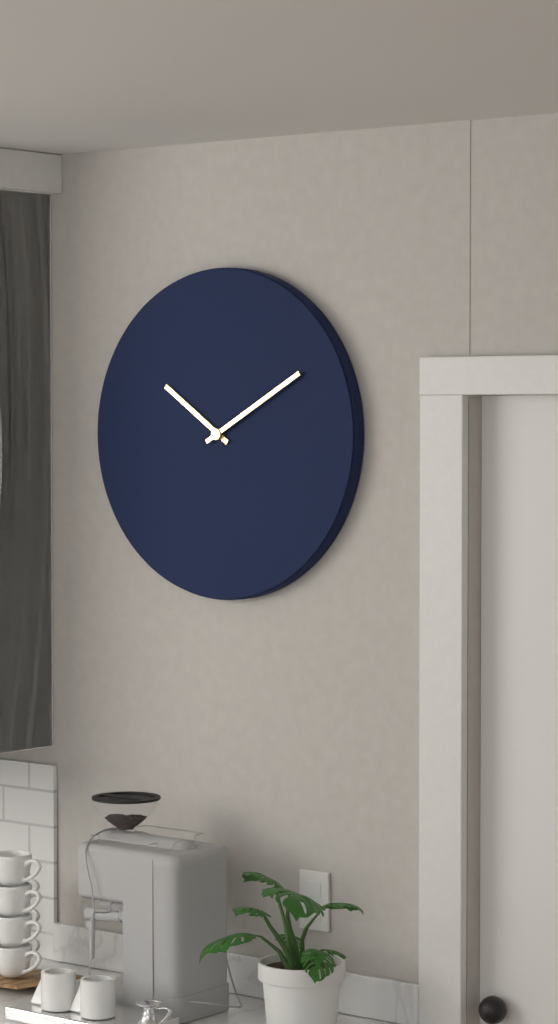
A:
10,10
